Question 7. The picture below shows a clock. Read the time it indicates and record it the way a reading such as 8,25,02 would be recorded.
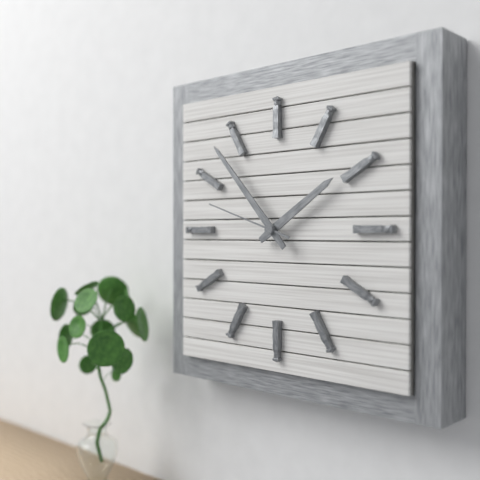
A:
1,53,48
